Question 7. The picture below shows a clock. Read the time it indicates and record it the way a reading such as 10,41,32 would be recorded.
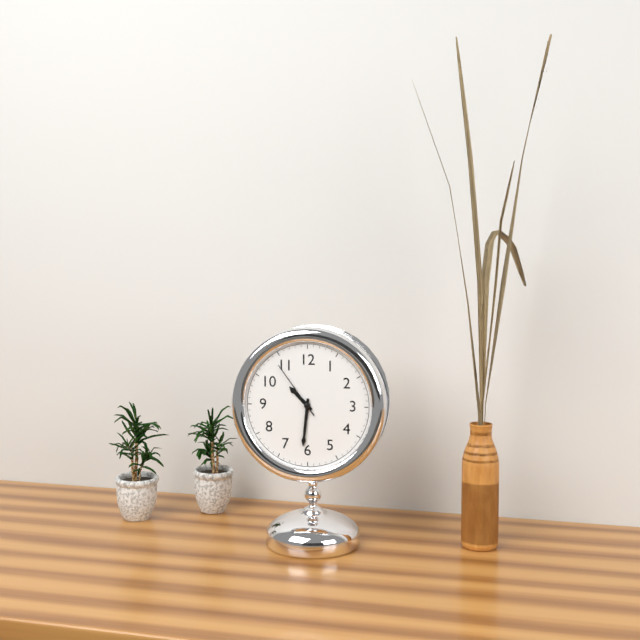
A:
10,31,54
